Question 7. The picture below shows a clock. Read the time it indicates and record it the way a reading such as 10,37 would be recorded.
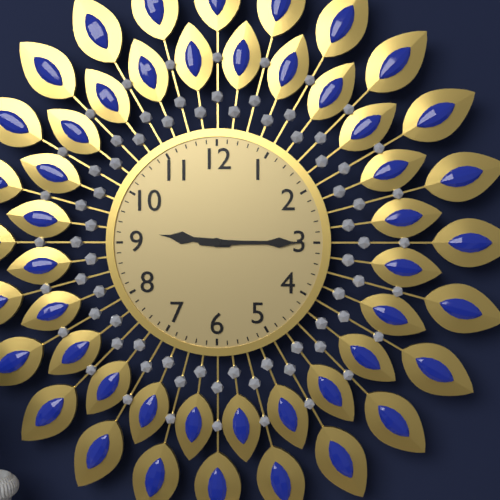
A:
9,15
